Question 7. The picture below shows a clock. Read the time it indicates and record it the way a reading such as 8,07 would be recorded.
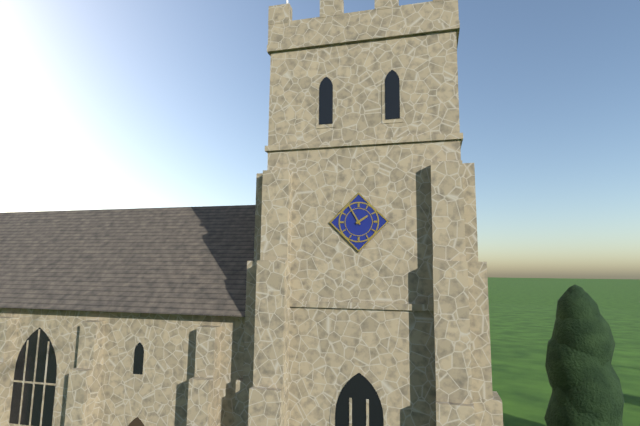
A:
1,55
